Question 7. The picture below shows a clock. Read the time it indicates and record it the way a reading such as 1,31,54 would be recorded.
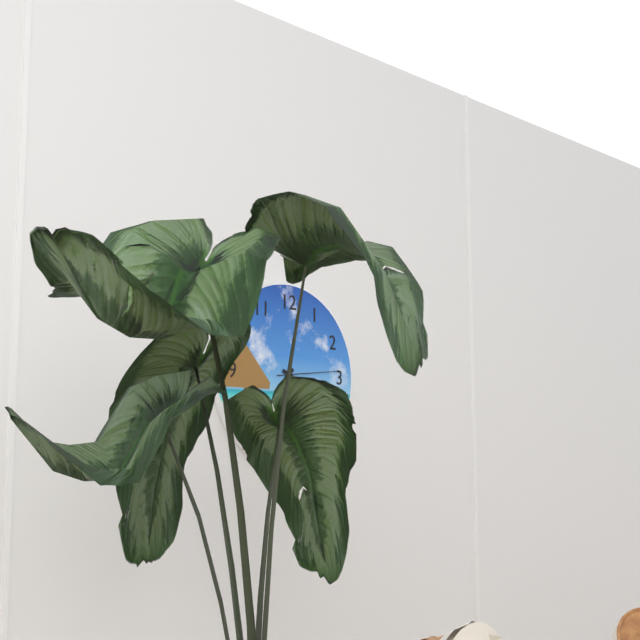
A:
7,19,14
